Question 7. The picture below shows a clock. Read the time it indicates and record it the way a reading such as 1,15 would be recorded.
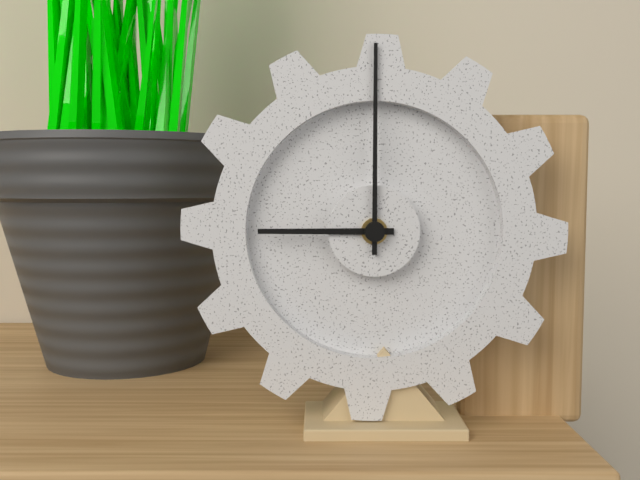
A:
9,00
